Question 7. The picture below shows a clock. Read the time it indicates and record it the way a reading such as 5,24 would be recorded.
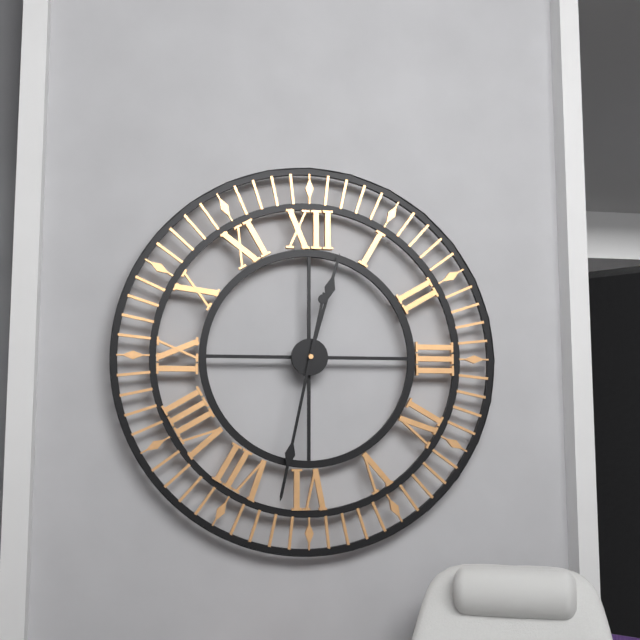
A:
12,32
